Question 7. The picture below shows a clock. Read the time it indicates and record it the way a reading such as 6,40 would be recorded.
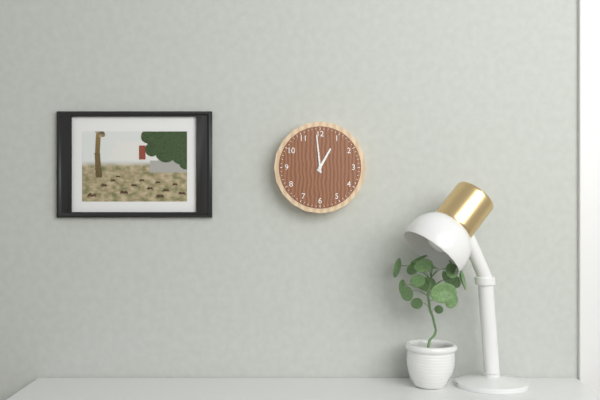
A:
12,59
